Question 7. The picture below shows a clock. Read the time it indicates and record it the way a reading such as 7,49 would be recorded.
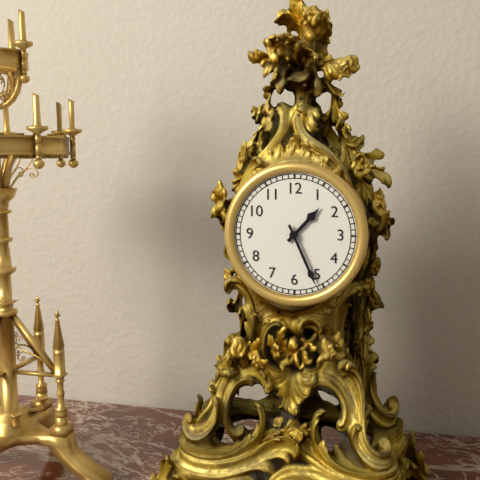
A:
1,26
